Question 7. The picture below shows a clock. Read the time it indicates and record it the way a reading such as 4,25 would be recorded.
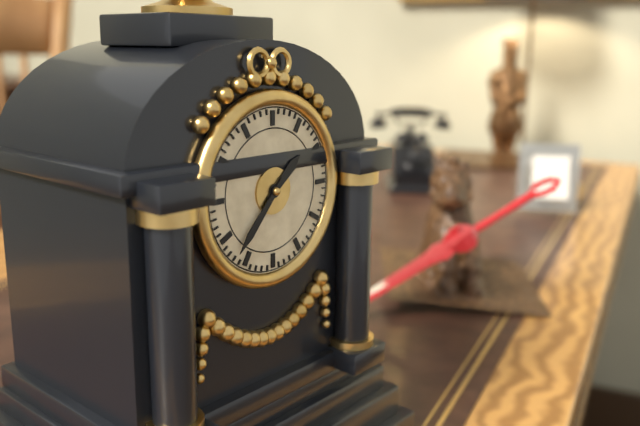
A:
1,37
